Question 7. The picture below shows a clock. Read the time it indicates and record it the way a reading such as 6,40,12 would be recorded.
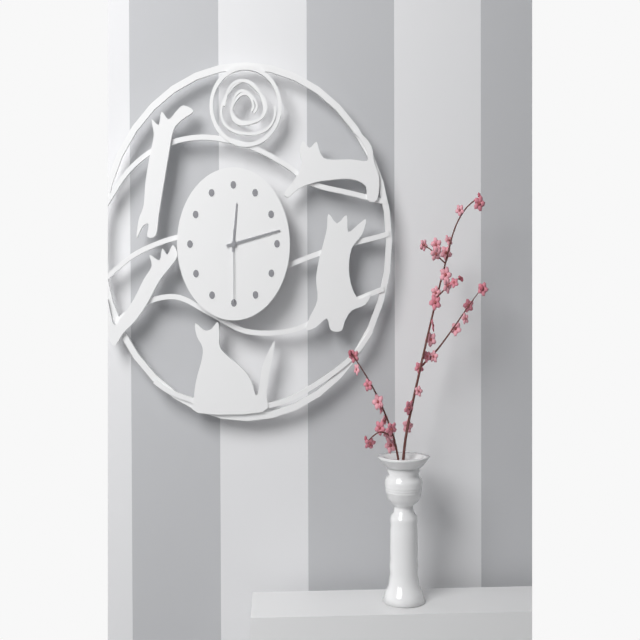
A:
12,13,30
